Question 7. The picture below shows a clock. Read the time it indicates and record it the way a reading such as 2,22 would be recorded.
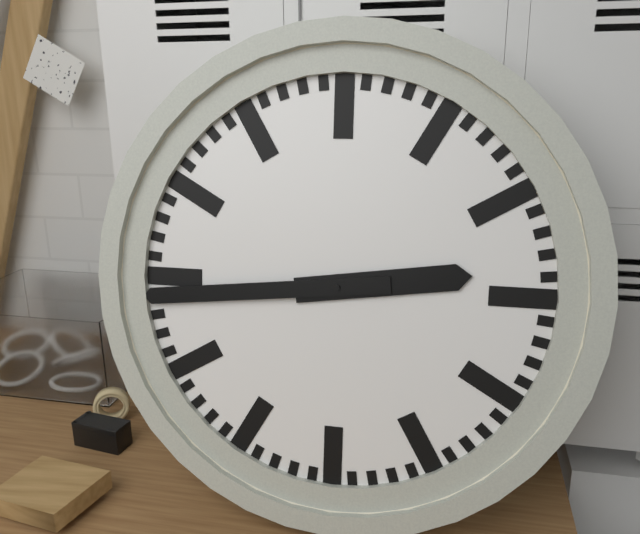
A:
2,44
